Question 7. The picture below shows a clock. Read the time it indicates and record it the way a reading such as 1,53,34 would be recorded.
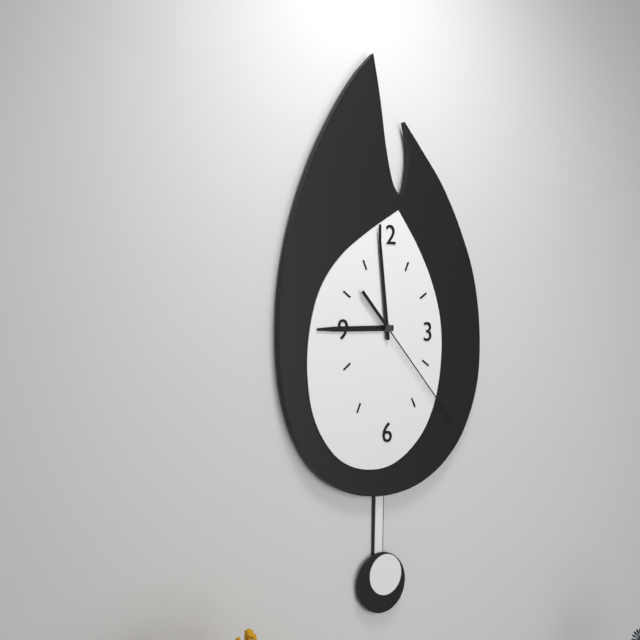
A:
8,59,23
